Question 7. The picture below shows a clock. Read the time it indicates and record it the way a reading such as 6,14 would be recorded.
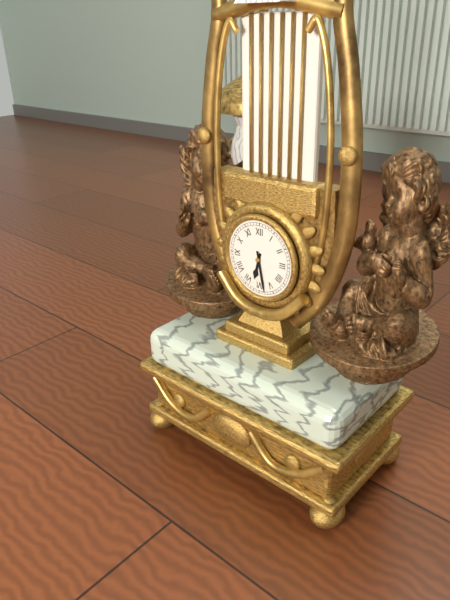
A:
6,28
